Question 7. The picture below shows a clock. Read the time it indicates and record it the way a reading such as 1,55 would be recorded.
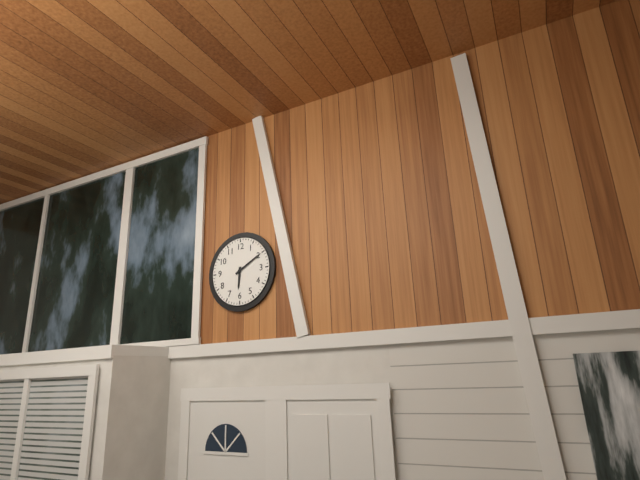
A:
6,10
